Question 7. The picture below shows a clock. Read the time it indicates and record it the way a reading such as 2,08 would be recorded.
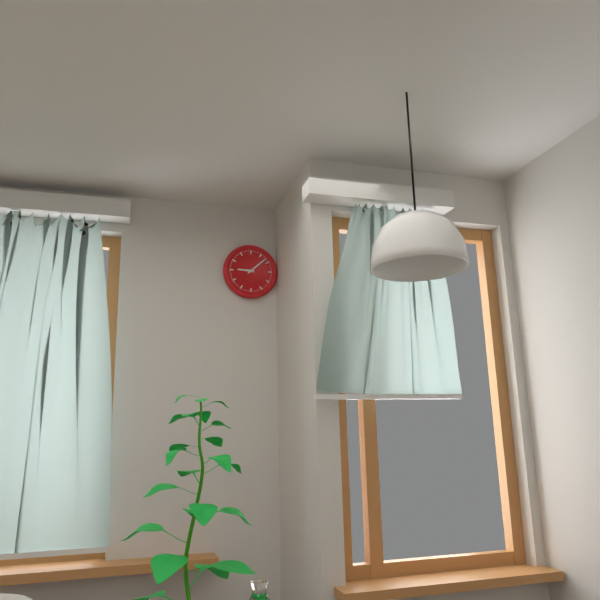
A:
9,08
